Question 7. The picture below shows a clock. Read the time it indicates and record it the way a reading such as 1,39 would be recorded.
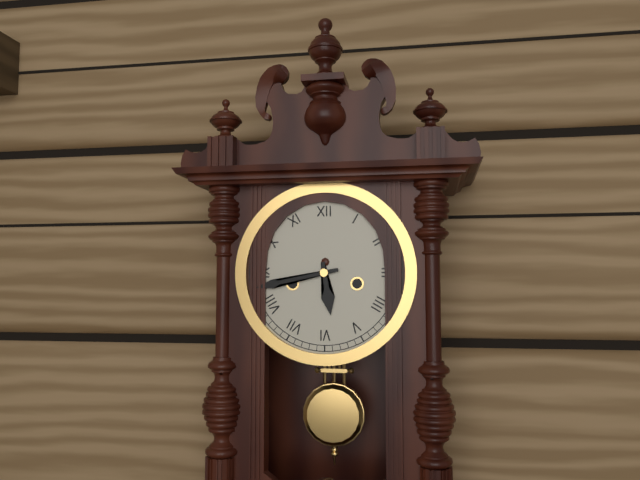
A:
5,43
